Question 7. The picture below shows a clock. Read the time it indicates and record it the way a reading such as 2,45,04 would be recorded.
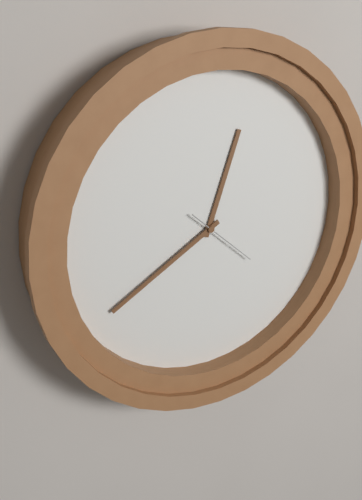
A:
12,40,22
